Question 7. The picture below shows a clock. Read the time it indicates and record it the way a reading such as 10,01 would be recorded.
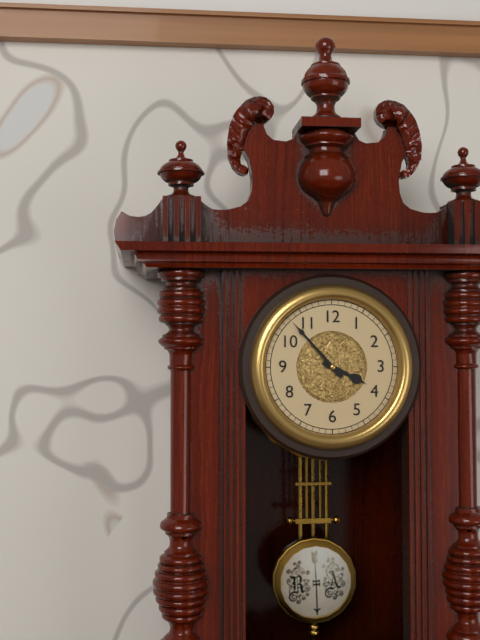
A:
3,53
